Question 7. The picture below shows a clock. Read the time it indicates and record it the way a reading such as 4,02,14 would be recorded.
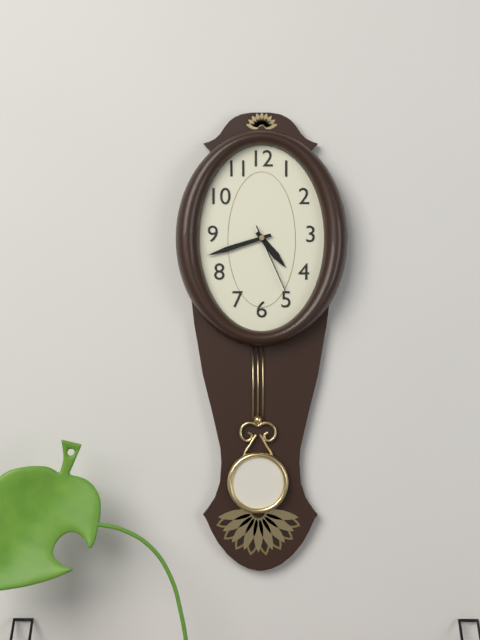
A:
4,42,26
